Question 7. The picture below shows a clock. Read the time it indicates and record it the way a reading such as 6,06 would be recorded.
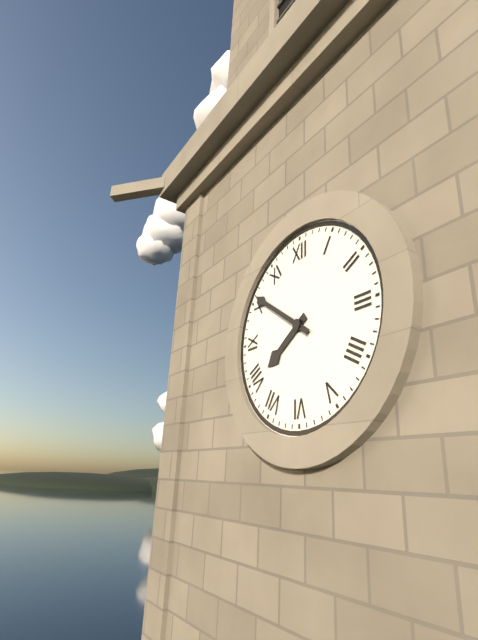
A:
7,51
